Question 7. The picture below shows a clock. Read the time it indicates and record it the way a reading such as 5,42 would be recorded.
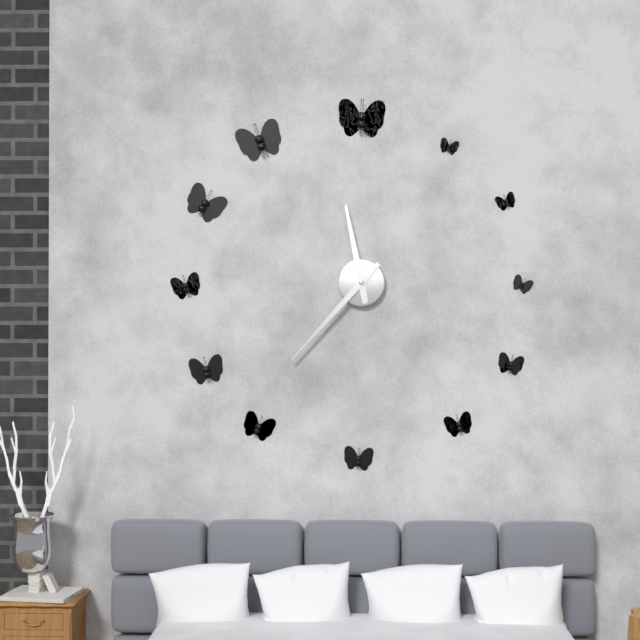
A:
11,37
